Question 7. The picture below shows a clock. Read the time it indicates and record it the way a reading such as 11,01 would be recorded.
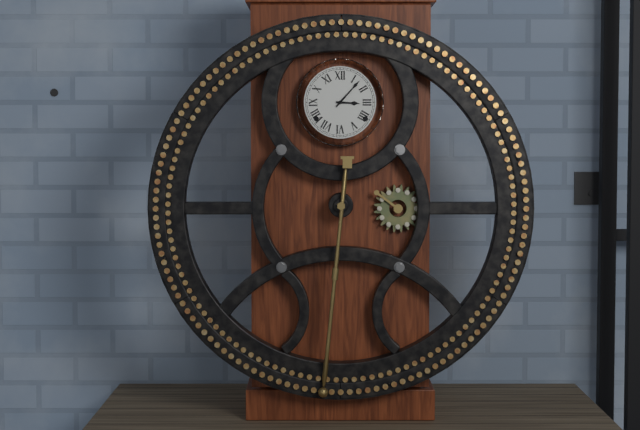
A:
3,07
